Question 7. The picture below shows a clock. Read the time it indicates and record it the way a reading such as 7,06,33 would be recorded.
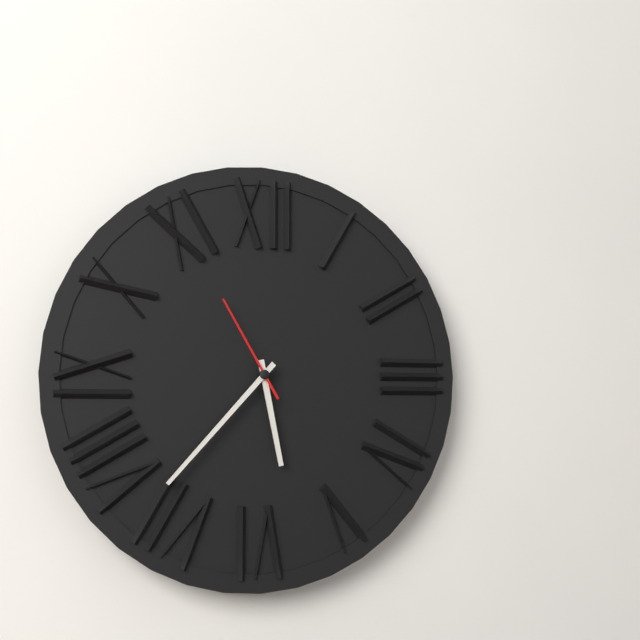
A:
5,37,55
